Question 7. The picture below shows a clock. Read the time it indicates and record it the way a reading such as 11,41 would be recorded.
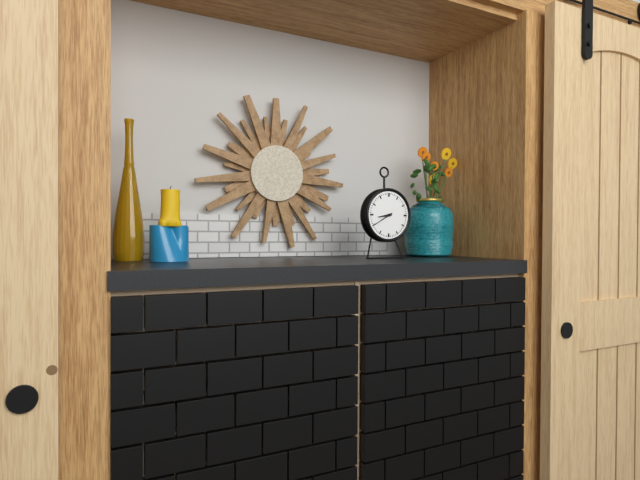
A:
8,40
